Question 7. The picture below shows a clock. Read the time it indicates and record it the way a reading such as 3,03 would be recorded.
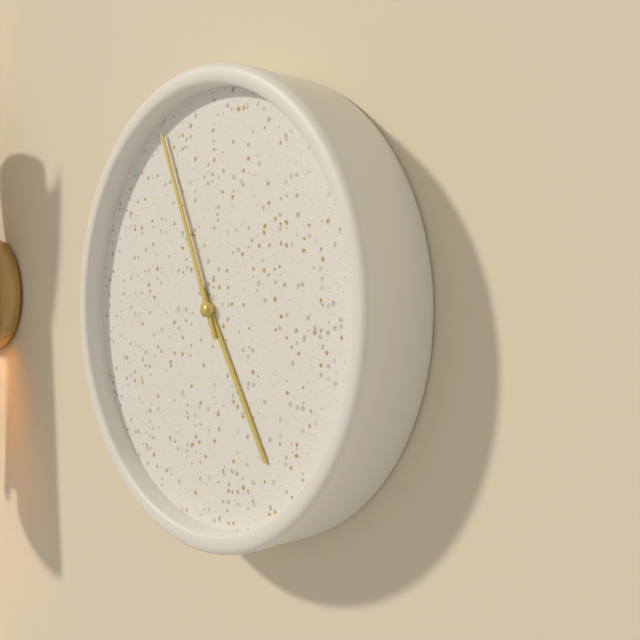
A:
4,56
